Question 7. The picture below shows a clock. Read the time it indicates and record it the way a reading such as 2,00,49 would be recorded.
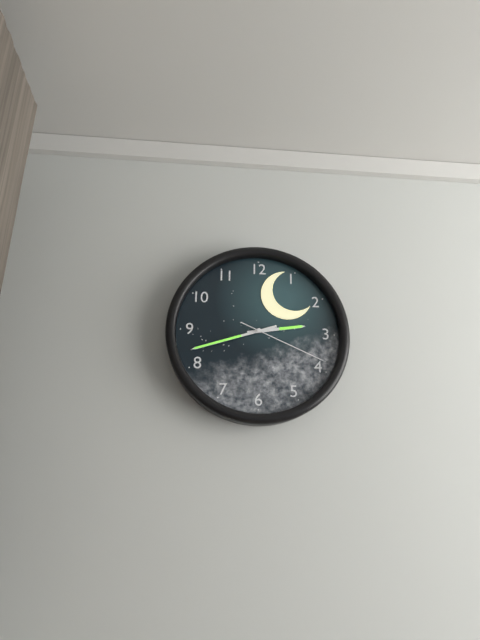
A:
2,42,19
